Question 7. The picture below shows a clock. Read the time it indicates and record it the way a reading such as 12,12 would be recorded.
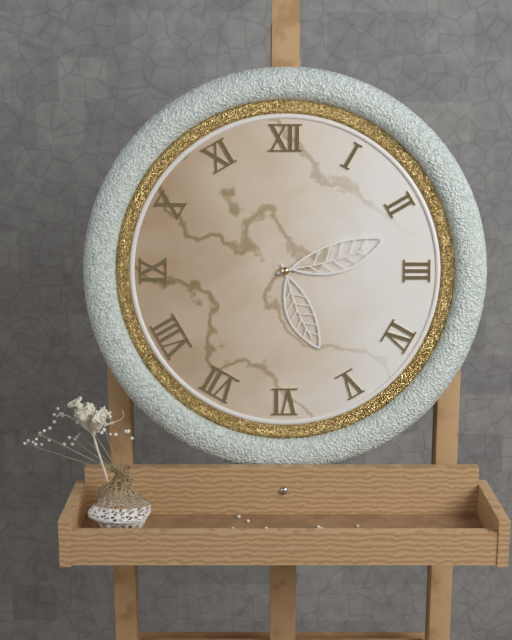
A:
5,12
